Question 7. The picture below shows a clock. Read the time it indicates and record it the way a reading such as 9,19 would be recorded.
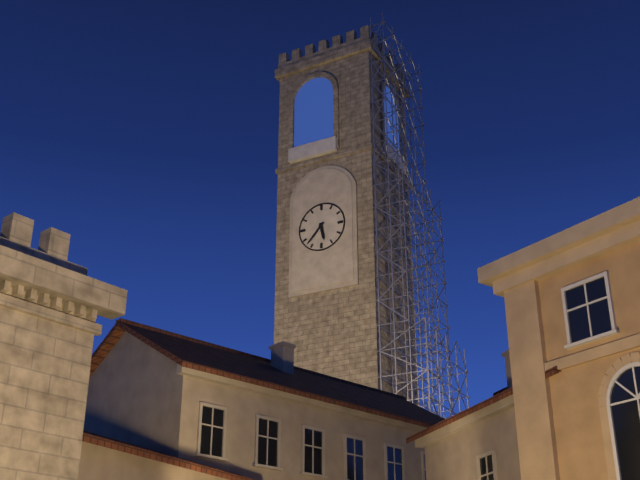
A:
5,37
